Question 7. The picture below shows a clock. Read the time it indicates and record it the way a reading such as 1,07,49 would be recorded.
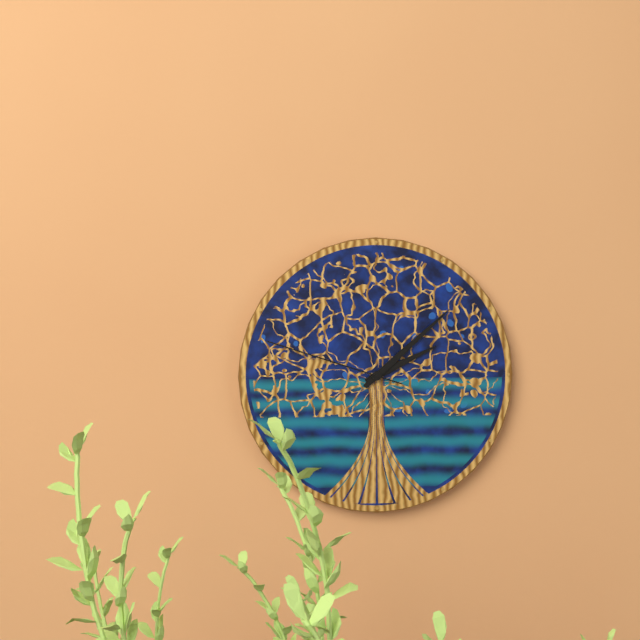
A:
2,08,48
